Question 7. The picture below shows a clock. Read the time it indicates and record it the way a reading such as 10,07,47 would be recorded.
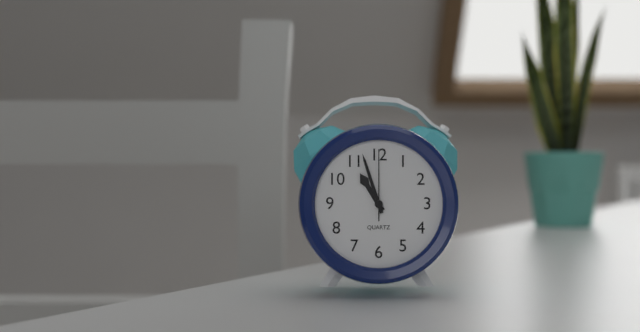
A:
10,57,00
